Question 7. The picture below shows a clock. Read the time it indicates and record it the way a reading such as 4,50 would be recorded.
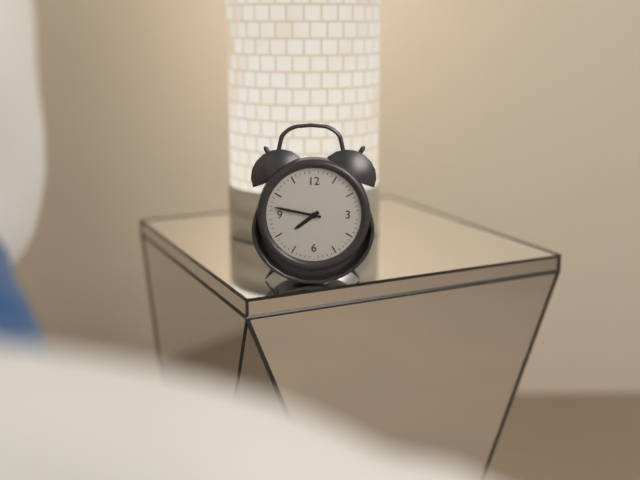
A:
7,47
